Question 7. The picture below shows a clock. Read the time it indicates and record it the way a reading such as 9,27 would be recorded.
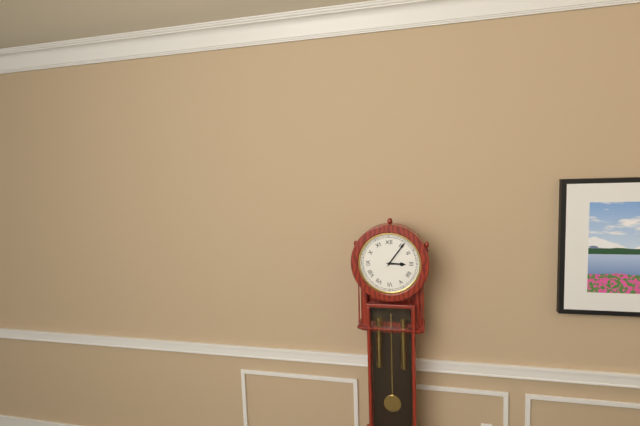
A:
3,06
